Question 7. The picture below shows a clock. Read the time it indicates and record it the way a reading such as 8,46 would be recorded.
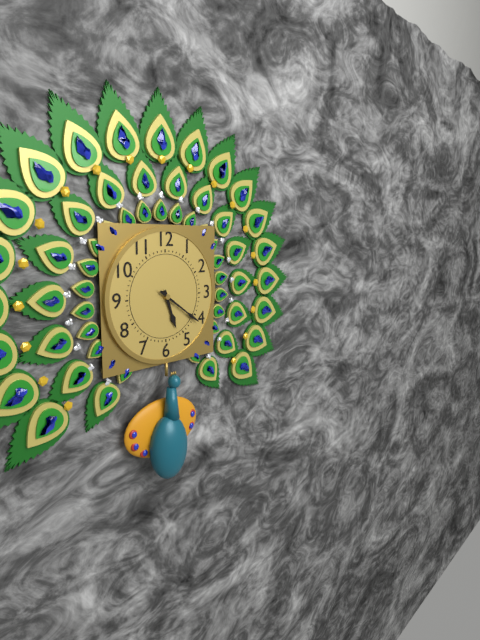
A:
5,21
